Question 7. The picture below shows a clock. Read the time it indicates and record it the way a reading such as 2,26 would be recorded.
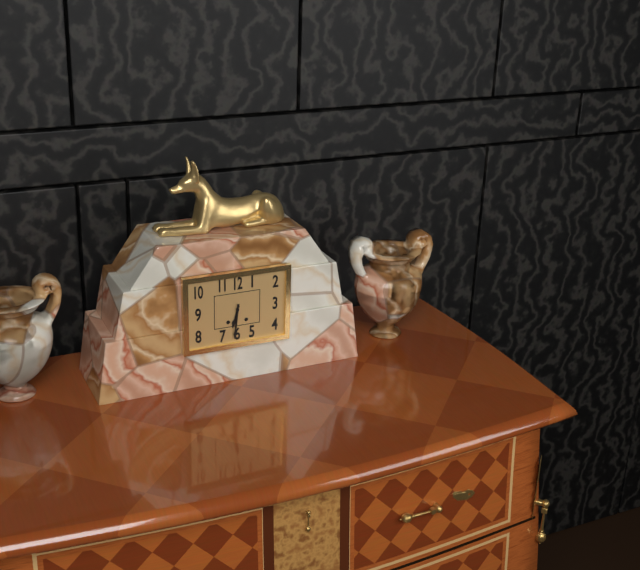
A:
6,31
